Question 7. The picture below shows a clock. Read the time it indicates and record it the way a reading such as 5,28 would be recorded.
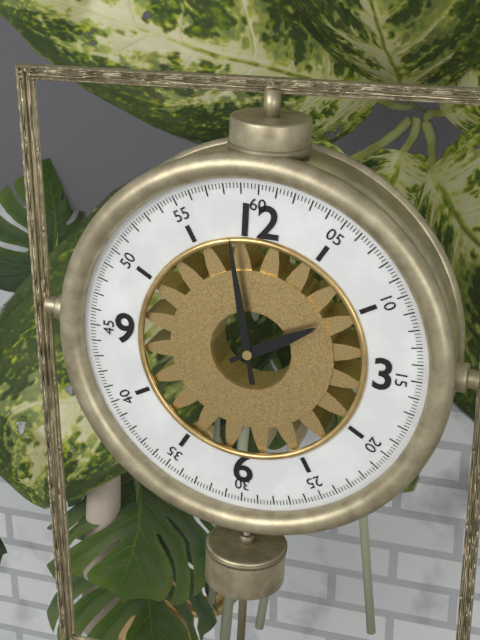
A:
1,58
